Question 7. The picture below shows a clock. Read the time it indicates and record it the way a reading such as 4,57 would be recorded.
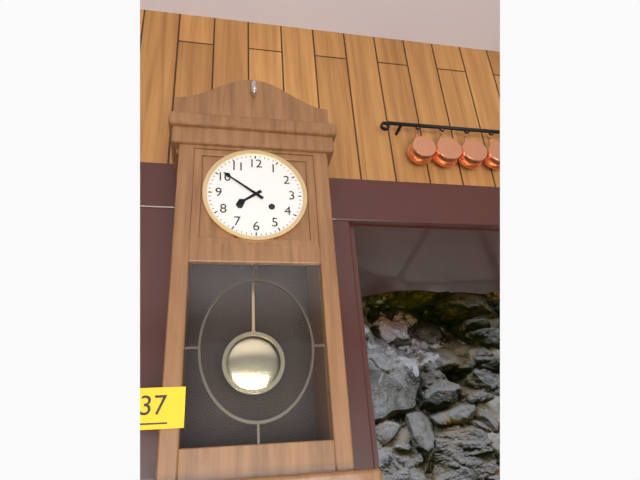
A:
7,51
